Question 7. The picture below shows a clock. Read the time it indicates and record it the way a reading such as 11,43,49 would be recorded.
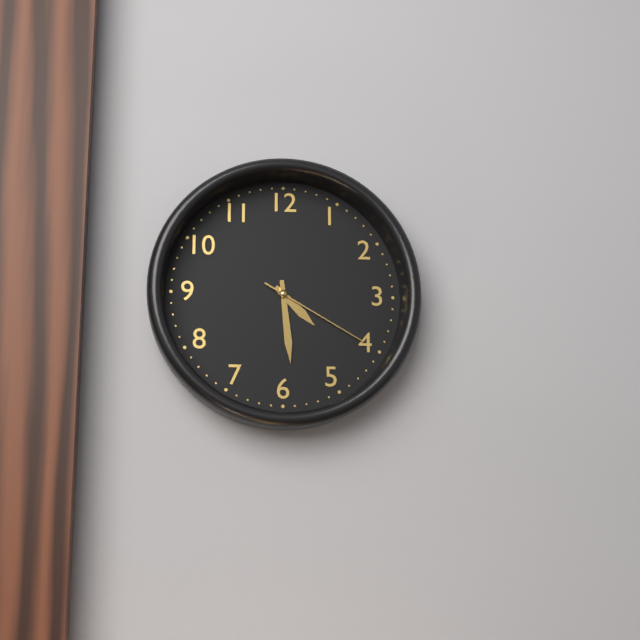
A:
4,29,20
